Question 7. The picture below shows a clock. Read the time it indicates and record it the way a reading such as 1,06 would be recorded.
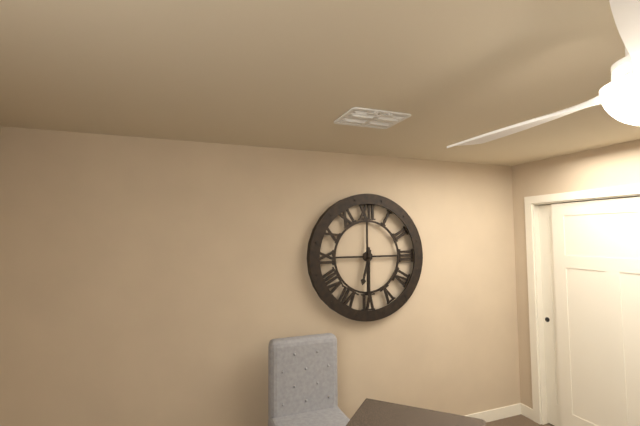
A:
6,30
